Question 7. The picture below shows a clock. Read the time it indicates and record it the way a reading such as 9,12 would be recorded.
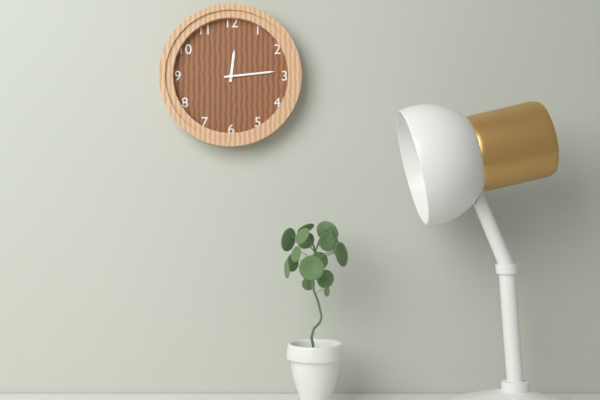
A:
12,14
